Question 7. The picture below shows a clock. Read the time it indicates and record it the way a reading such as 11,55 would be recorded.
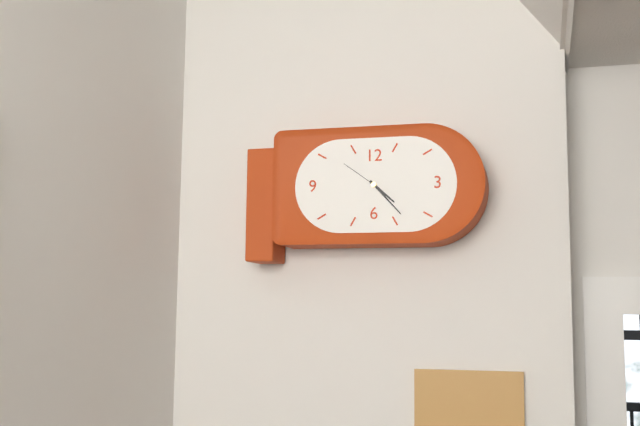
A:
4,23
